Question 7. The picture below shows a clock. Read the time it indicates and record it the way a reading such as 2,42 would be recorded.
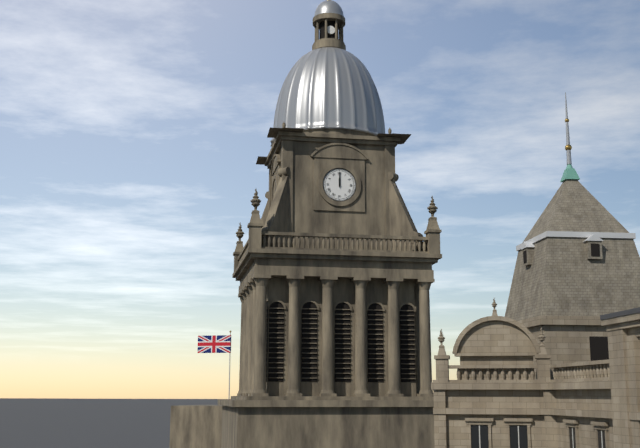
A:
12,00
